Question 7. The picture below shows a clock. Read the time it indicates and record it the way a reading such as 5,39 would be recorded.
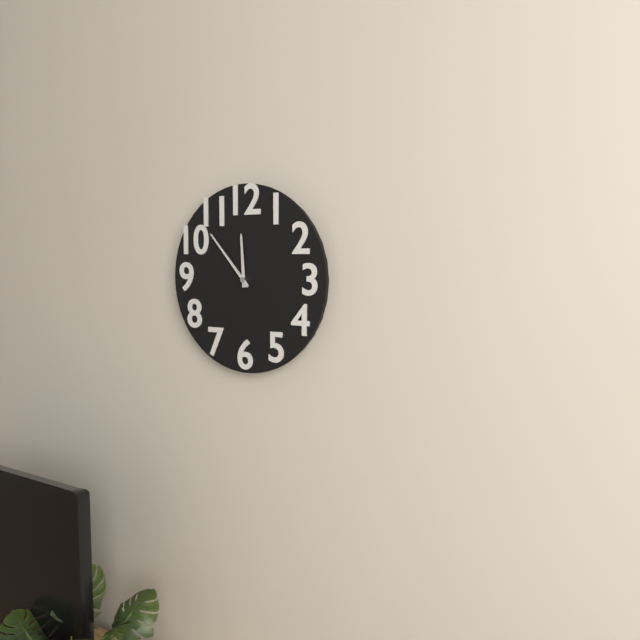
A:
11,53
